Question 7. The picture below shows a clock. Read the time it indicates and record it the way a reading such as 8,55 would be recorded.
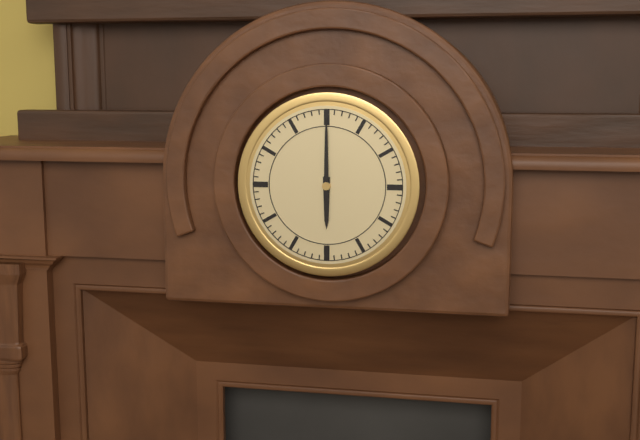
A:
6,00
